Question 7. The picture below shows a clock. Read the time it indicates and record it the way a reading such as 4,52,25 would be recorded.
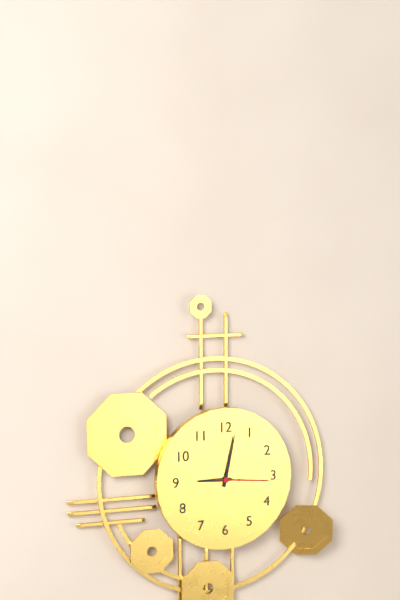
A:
9,02,16
